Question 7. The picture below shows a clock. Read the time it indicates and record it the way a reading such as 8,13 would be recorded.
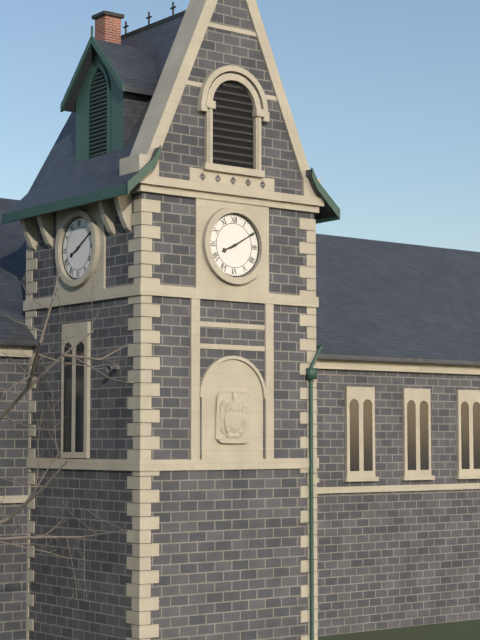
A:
8,10
